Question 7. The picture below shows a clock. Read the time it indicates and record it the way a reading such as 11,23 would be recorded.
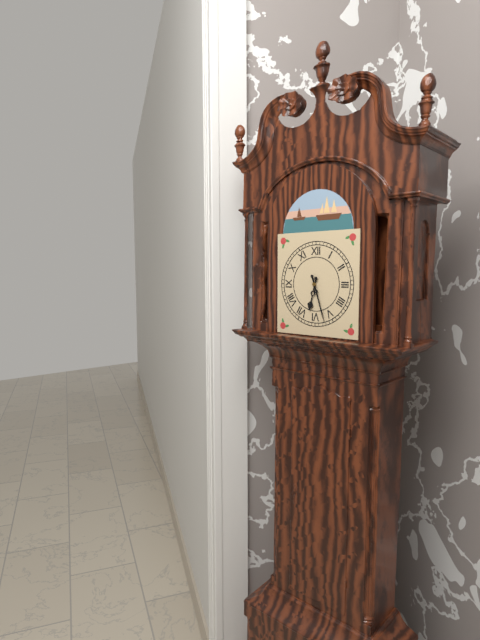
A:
6,27
